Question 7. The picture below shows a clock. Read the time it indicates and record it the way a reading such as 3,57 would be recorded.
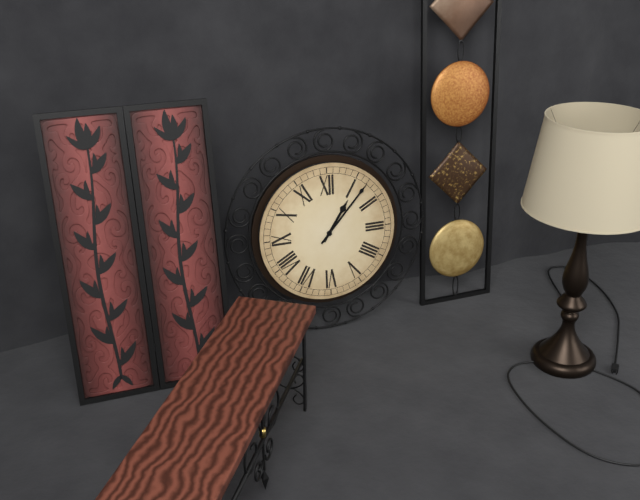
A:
1,07
